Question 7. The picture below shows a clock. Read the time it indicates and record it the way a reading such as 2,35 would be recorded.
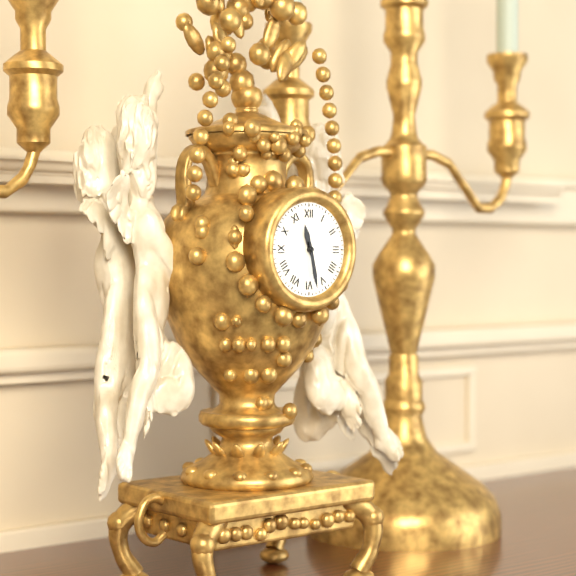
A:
11,28
